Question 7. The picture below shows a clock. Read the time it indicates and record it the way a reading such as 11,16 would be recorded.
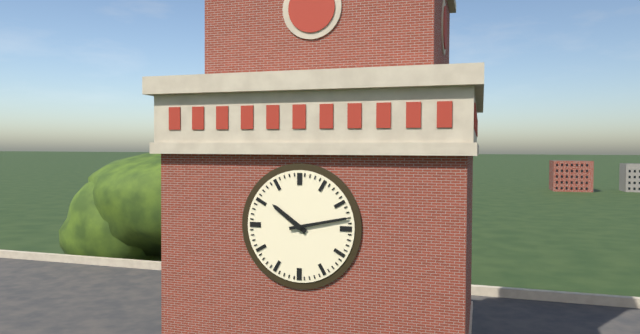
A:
10,13
